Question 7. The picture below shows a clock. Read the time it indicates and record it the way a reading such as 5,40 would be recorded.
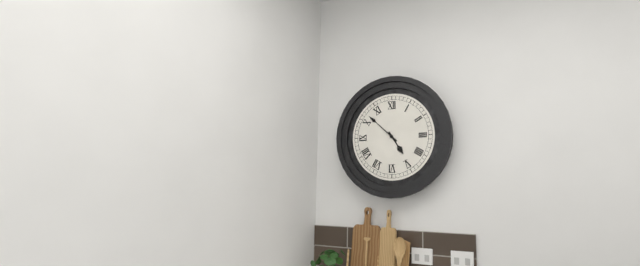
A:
4,52
